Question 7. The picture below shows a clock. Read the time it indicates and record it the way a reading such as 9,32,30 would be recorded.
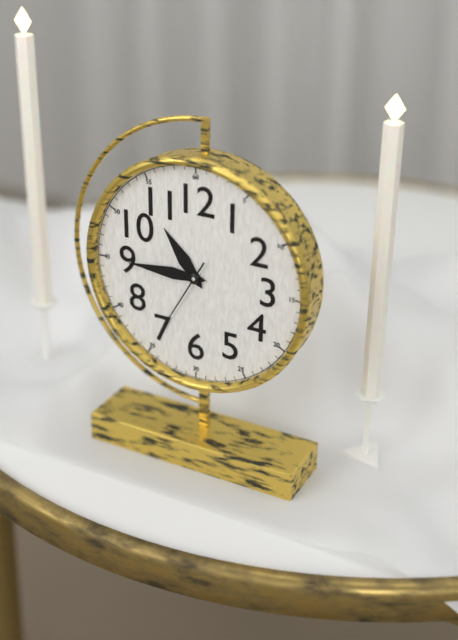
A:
10,45,35
